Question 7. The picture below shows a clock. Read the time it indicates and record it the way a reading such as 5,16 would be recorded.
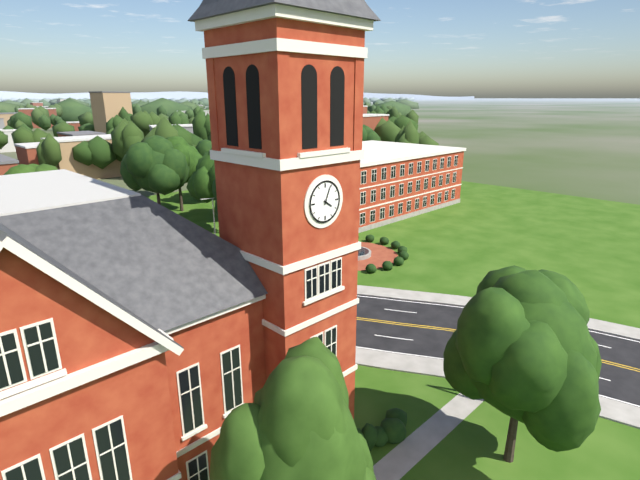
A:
4,04
